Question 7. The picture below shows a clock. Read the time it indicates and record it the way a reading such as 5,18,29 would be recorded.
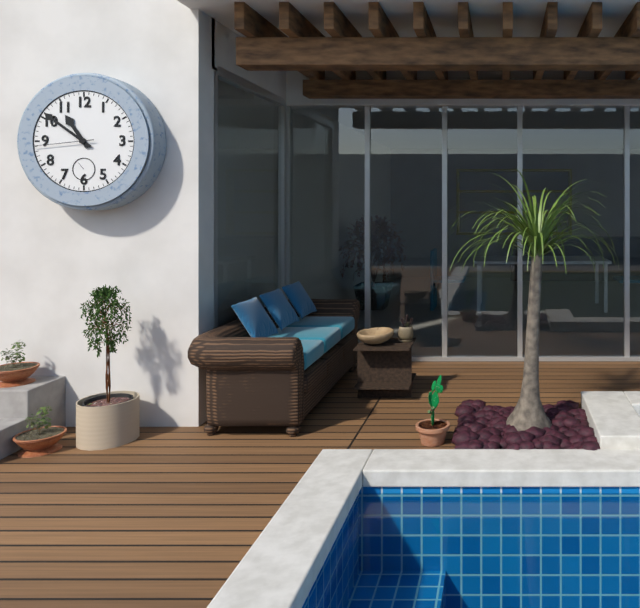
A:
10,51,44
